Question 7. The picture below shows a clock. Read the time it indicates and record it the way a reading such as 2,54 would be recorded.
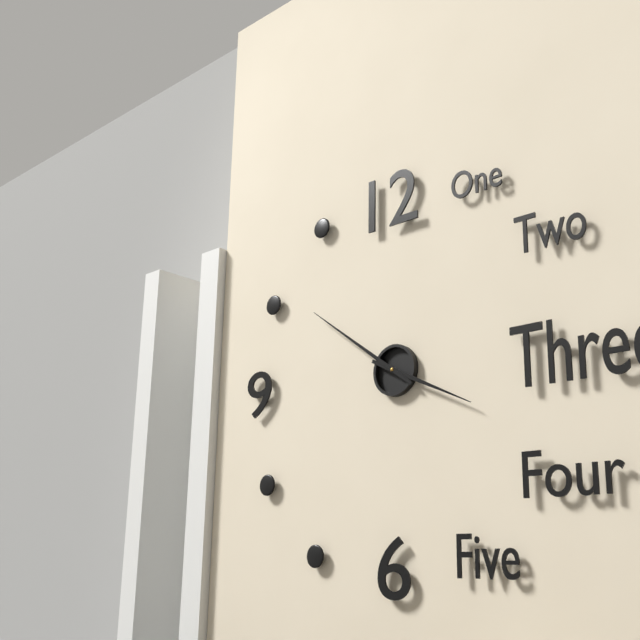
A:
3,51
